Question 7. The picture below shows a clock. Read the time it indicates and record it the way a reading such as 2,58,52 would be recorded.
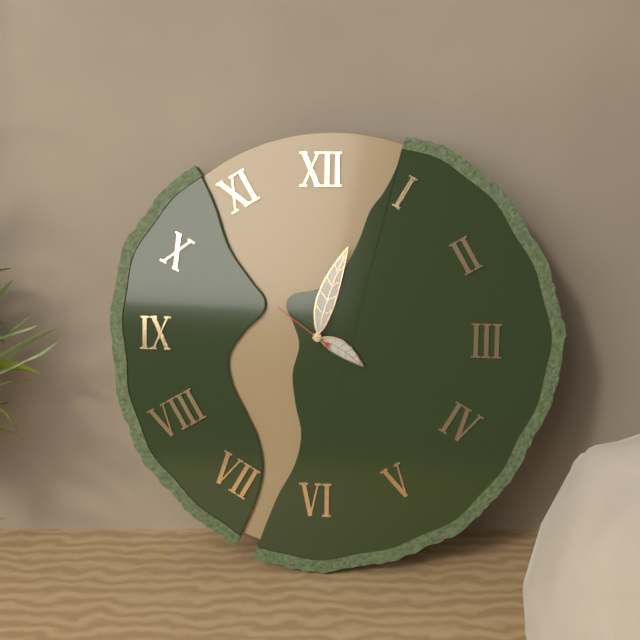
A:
4,03,51
